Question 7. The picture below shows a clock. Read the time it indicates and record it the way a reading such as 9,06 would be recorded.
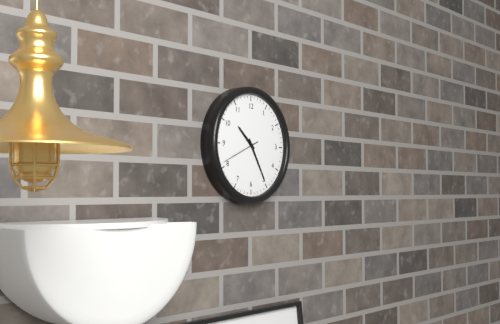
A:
10,25
